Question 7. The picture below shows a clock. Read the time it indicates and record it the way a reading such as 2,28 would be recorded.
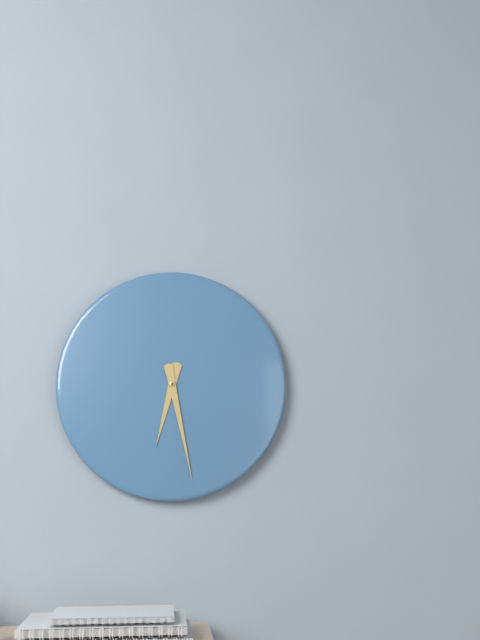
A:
6,28
